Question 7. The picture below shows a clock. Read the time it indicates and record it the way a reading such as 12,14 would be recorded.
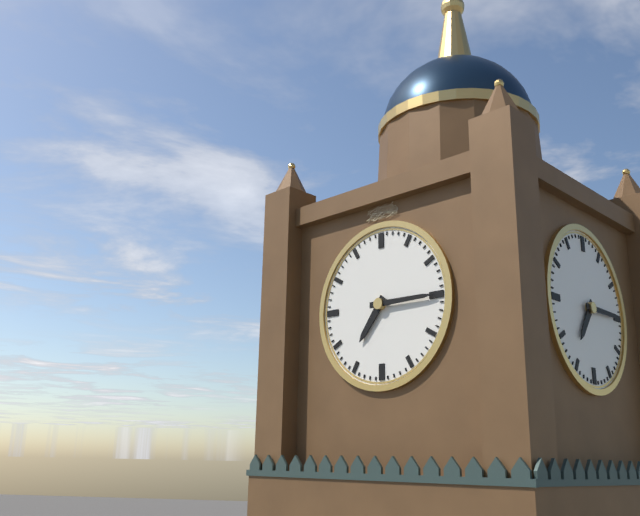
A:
7,15
